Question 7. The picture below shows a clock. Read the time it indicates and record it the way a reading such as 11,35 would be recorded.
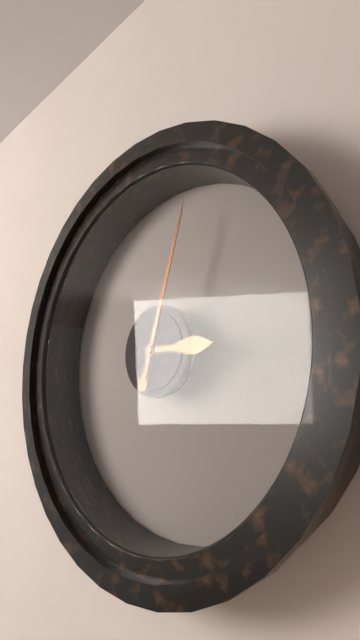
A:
3,03
